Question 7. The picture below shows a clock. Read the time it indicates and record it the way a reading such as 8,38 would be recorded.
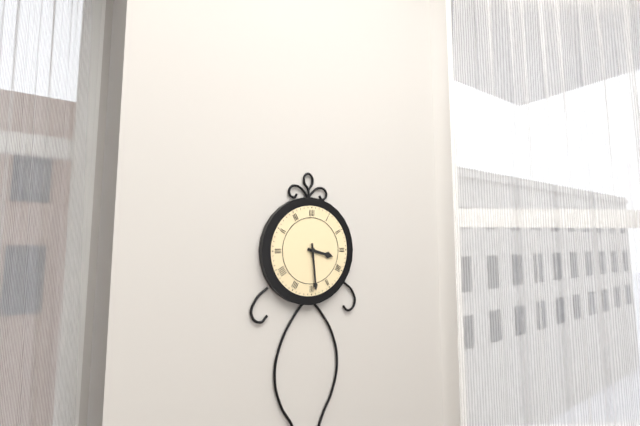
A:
3,29
